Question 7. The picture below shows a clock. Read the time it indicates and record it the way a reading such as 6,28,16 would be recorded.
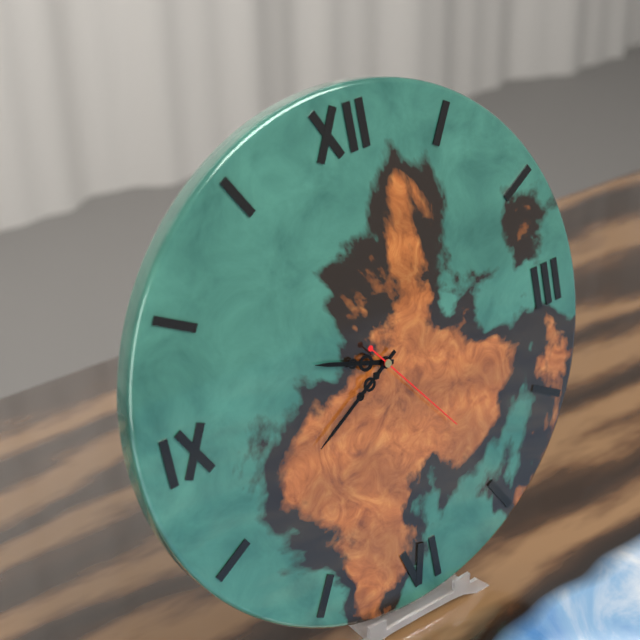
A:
9,40,24
